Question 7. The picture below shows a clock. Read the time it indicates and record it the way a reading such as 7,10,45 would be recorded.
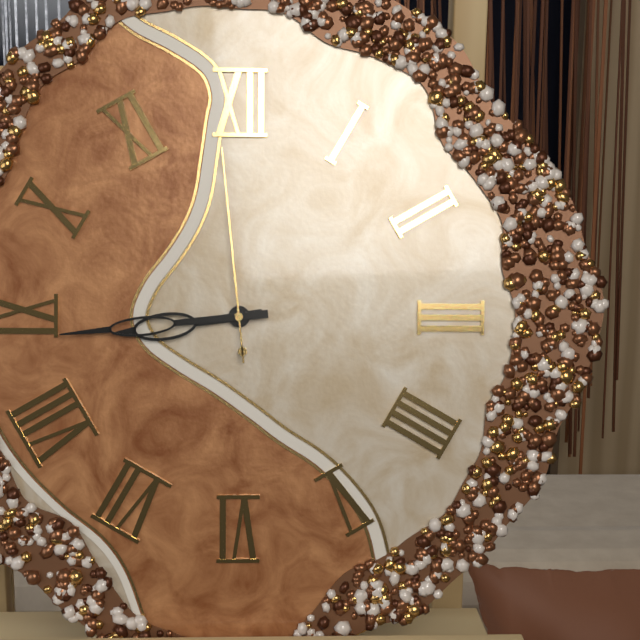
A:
8,44,59
